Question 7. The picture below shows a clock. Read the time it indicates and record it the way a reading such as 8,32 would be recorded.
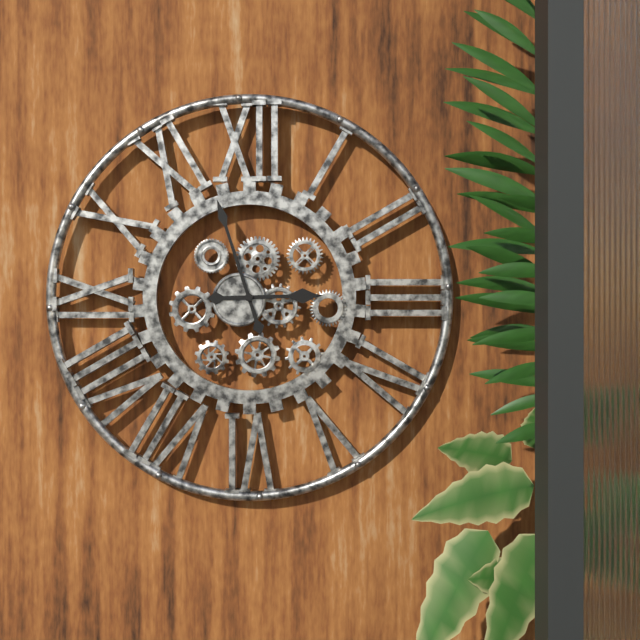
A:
2,57
